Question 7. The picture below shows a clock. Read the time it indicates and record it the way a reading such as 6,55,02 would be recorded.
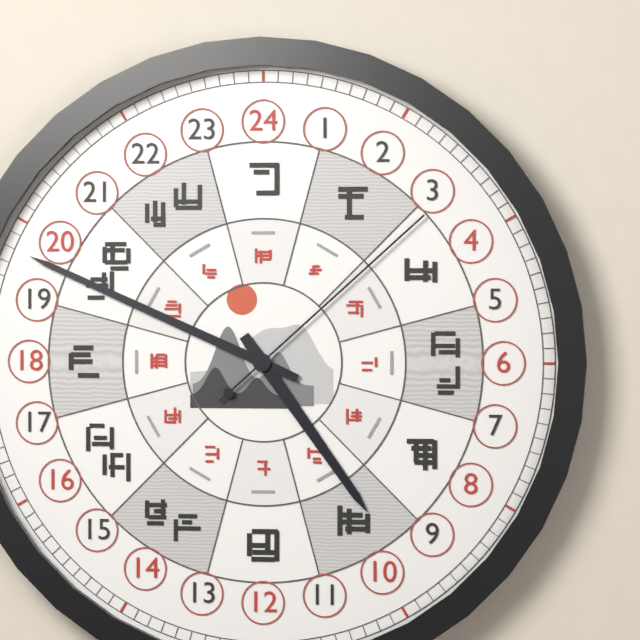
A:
4,49,08
